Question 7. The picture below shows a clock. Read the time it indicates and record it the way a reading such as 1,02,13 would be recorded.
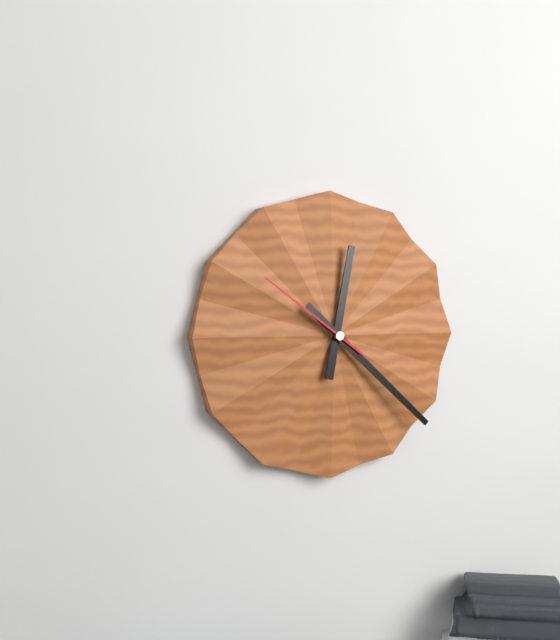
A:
12,22,51
